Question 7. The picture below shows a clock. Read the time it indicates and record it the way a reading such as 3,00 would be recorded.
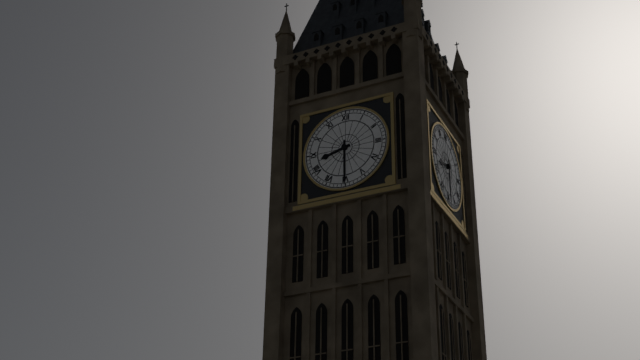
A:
8,30
